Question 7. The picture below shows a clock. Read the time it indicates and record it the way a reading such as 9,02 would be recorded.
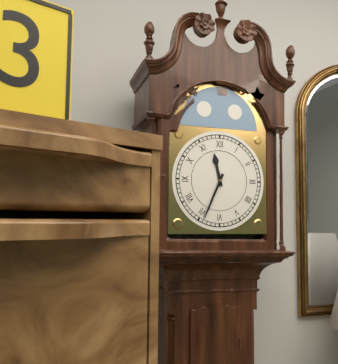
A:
11,34
